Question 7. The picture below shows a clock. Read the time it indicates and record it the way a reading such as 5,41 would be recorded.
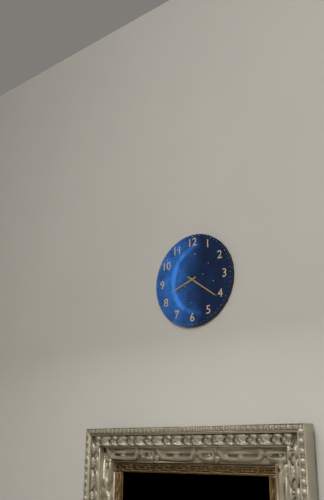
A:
8,21
